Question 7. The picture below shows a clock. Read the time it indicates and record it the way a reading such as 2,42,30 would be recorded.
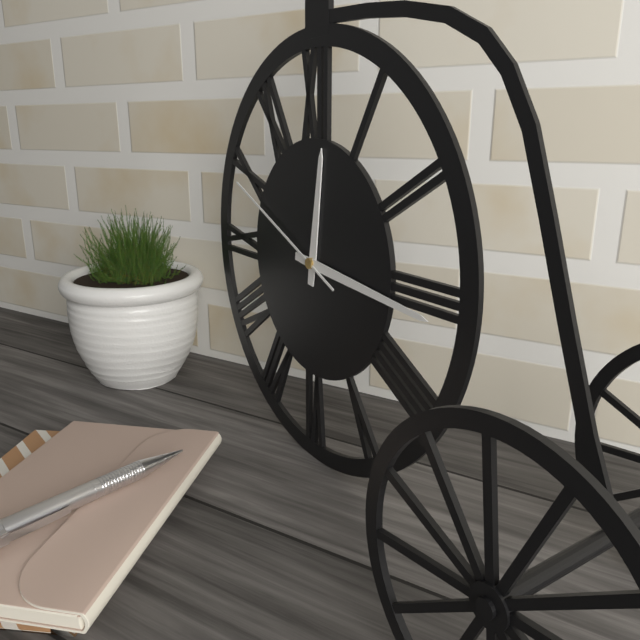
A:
12,16,49
